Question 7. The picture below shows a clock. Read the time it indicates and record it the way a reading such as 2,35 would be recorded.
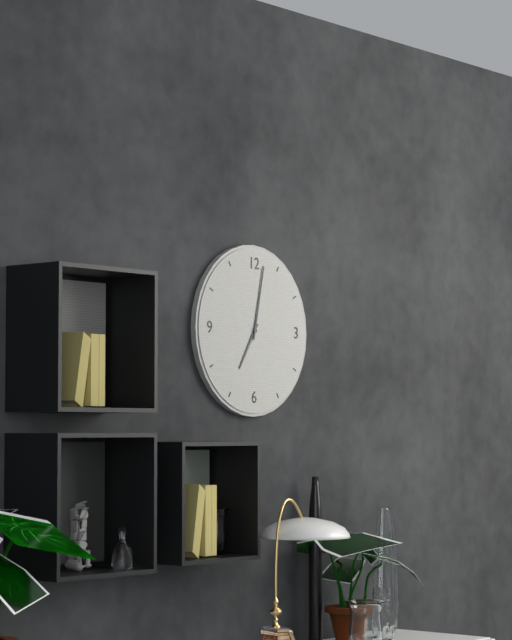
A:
7,02
